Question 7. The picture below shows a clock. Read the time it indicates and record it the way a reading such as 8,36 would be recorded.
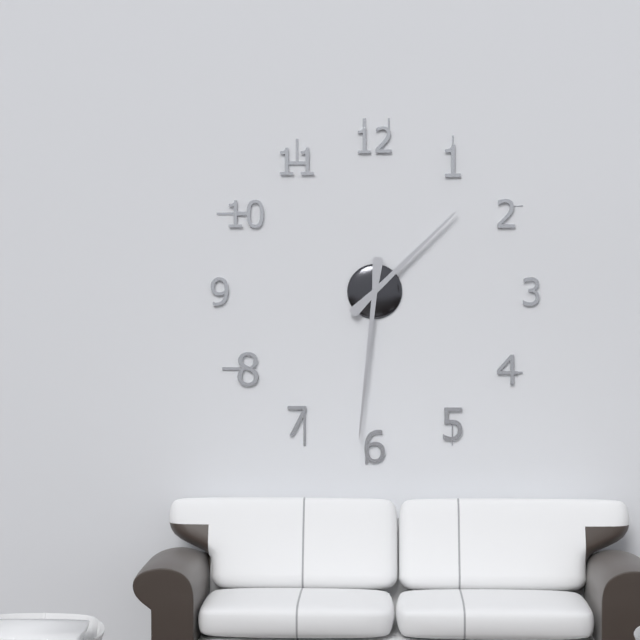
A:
1,31
